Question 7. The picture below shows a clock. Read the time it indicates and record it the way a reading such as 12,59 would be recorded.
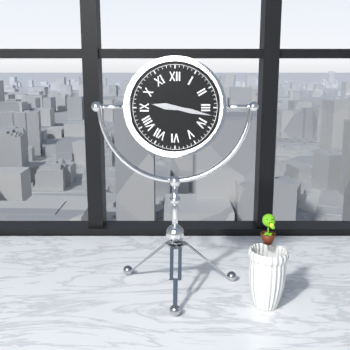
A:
9,17
